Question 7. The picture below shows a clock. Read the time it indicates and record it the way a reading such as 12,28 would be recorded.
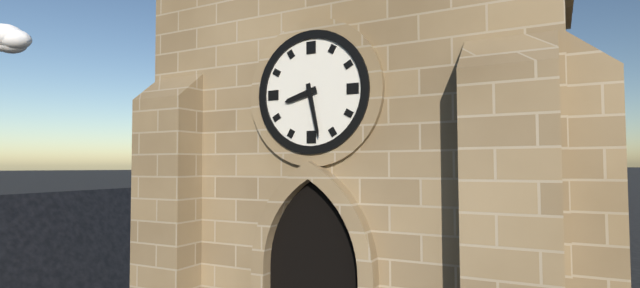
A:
8,28
